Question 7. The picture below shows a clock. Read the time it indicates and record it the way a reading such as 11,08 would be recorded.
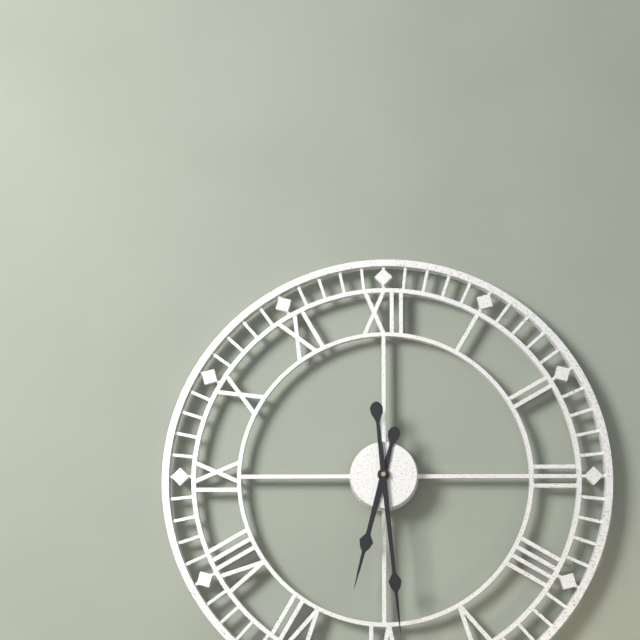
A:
6,29
